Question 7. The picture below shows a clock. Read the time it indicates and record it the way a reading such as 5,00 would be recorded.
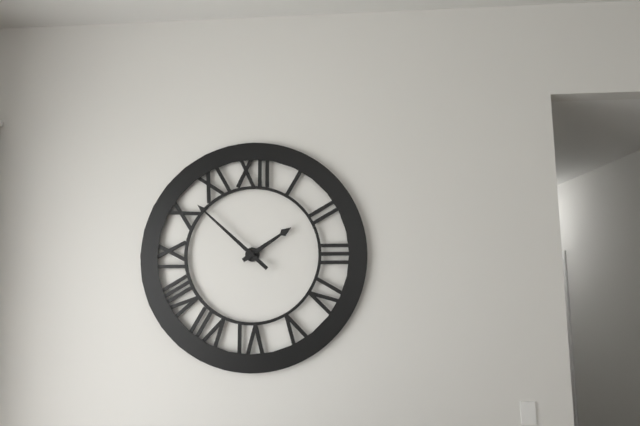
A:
1,52
